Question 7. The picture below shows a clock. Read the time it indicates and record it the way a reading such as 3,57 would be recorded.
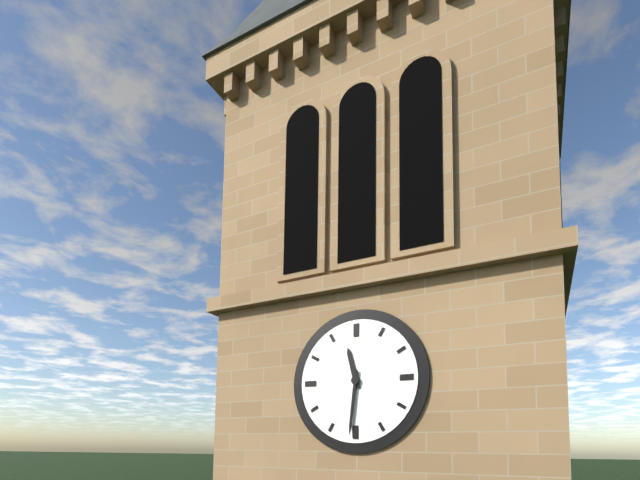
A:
11,31
